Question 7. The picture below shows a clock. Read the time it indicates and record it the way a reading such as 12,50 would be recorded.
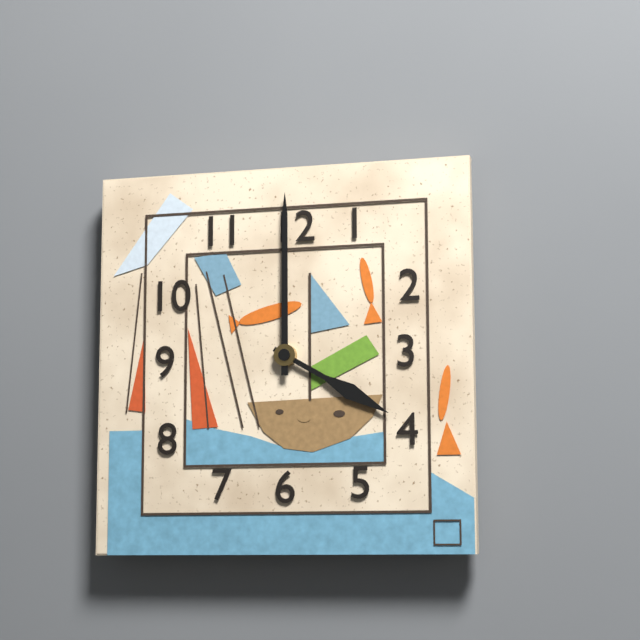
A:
4,00
